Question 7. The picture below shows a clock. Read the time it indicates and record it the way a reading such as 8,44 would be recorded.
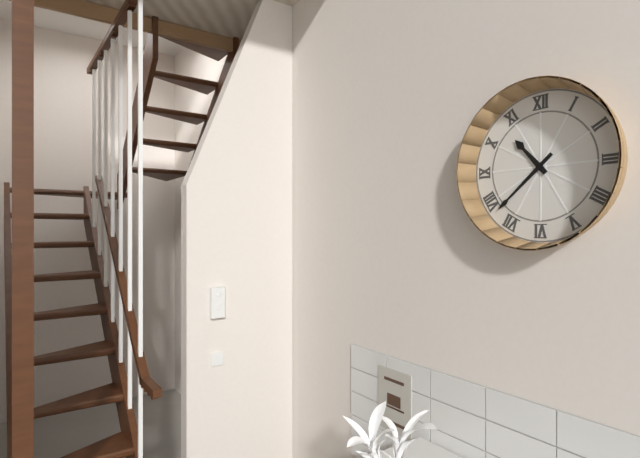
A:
10,38
